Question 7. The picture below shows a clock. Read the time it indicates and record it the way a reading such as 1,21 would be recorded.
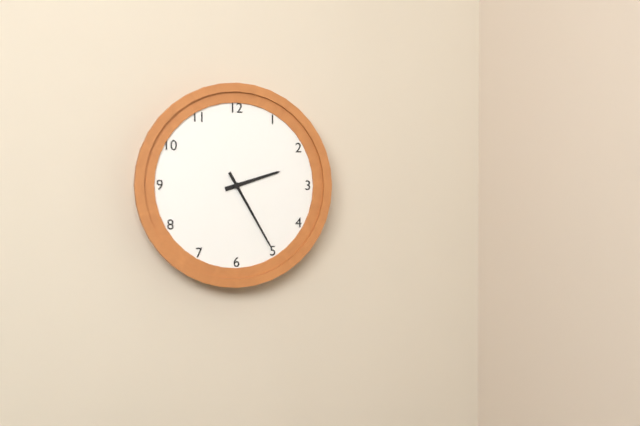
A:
2,25
